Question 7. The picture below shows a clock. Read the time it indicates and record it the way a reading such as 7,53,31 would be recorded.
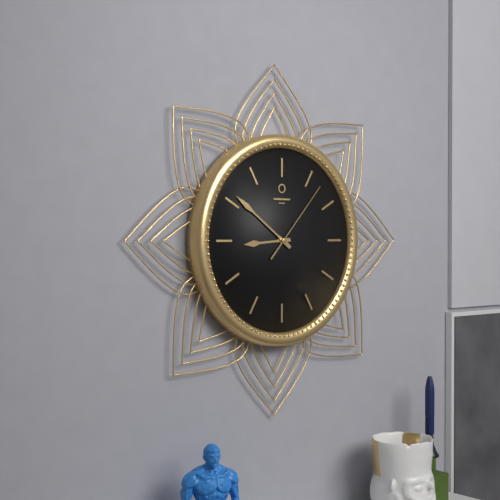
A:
8,51,07
